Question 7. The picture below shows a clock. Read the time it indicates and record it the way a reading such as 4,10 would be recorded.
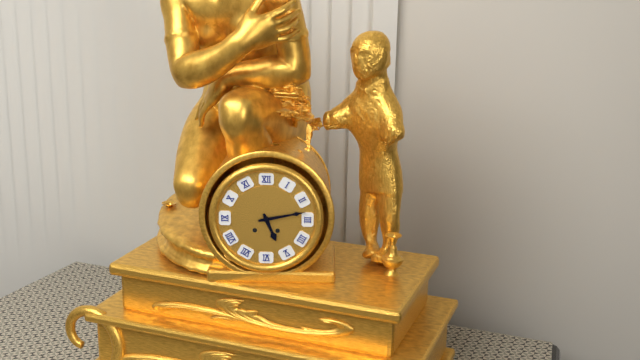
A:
5,13
